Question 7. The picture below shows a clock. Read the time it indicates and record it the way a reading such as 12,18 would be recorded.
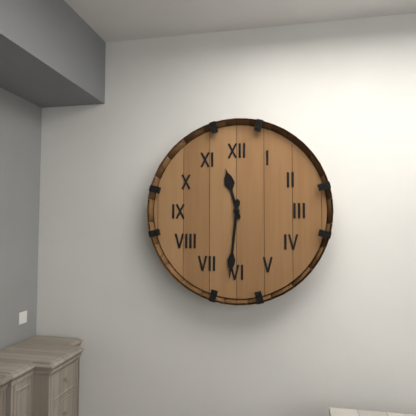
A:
11,31
